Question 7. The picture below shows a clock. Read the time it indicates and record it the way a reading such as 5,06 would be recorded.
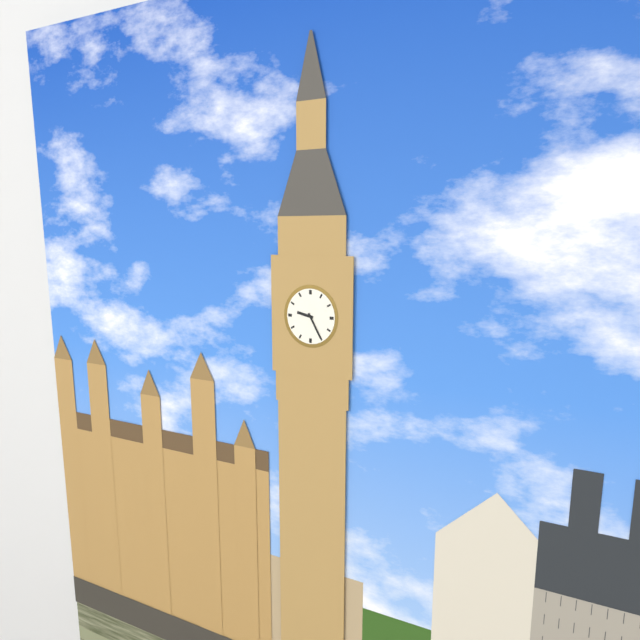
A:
9,25
